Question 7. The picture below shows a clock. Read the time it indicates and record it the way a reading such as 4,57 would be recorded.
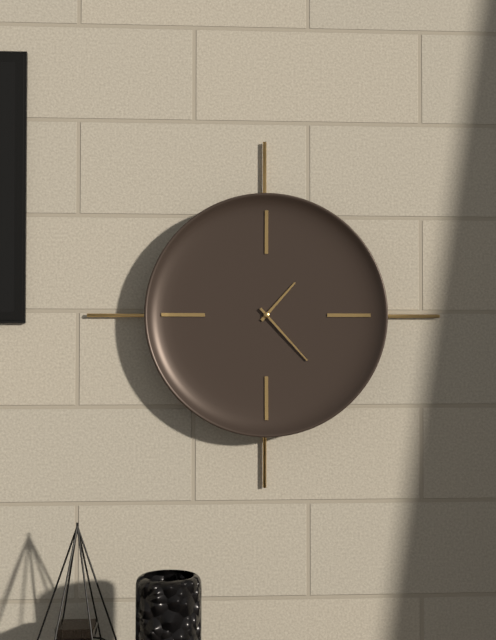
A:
1,23
